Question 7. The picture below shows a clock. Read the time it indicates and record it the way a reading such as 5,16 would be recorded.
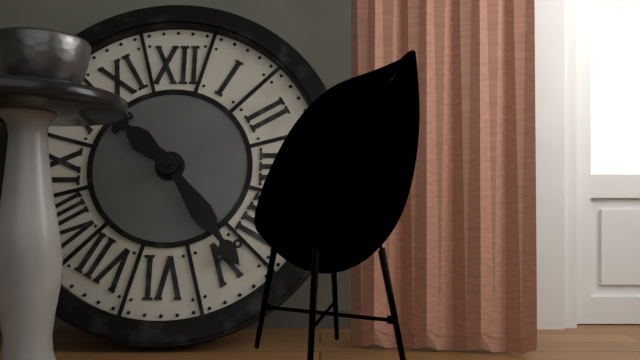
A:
10,24
